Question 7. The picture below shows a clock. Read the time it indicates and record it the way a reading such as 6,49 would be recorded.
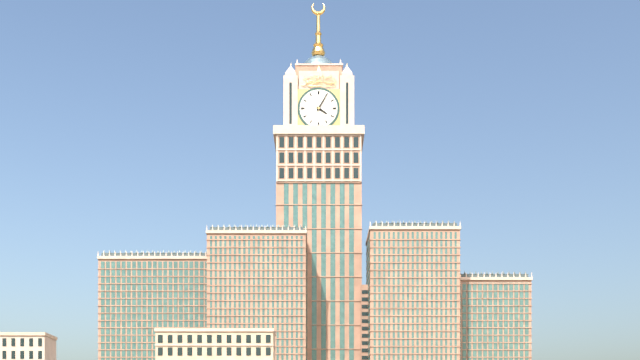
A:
4,05
